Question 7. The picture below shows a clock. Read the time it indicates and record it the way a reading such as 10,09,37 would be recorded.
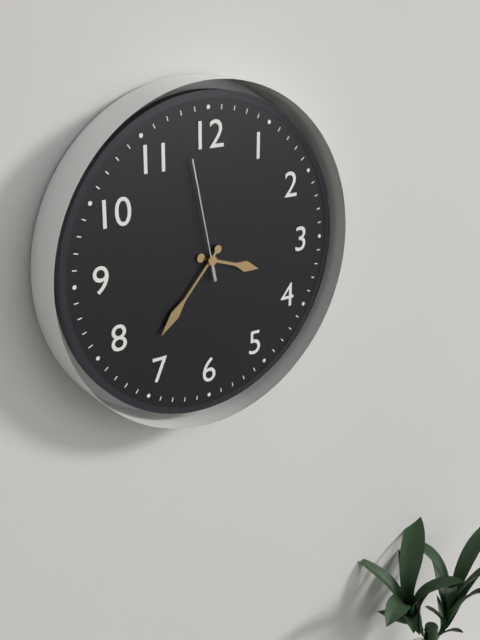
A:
3,37,58
